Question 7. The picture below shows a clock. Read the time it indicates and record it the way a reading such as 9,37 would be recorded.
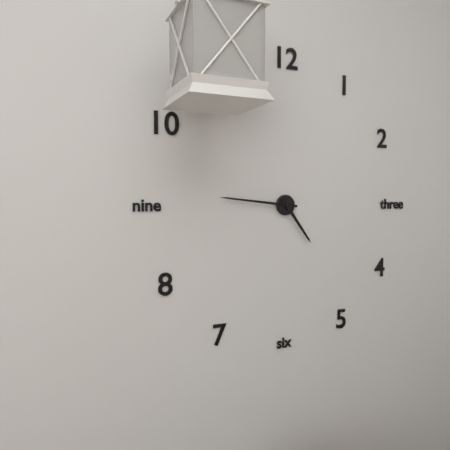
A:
4,46
